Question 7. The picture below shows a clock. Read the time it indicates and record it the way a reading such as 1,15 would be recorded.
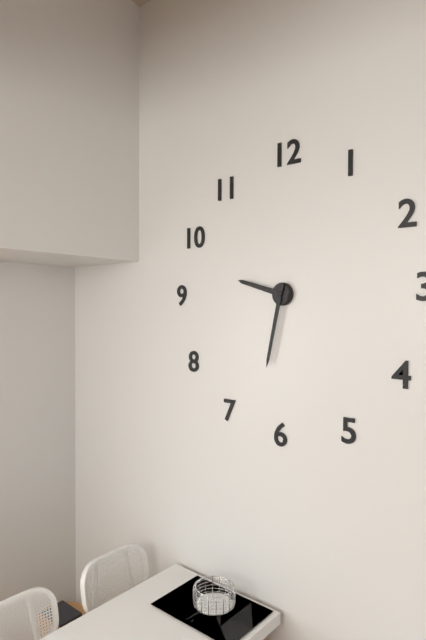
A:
9,32
